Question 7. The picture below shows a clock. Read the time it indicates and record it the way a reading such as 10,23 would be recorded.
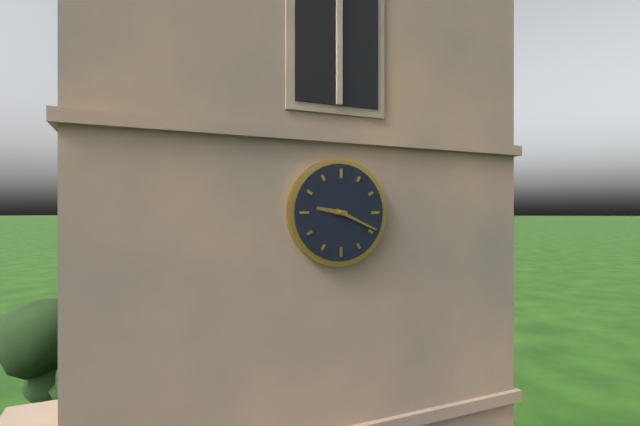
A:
9,19
